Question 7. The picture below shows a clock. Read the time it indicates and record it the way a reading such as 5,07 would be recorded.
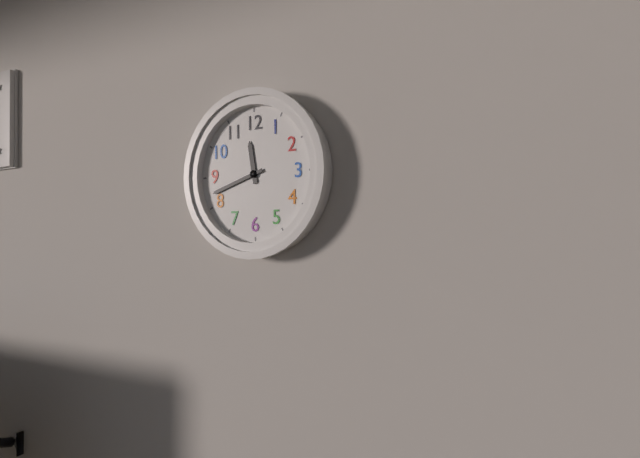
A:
11,42
